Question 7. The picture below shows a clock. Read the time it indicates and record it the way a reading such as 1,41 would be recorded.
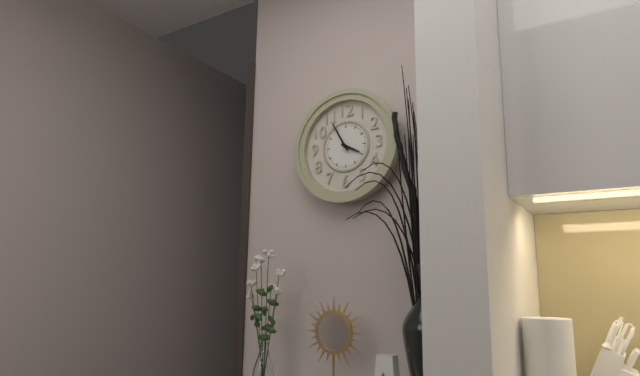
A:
3,55
